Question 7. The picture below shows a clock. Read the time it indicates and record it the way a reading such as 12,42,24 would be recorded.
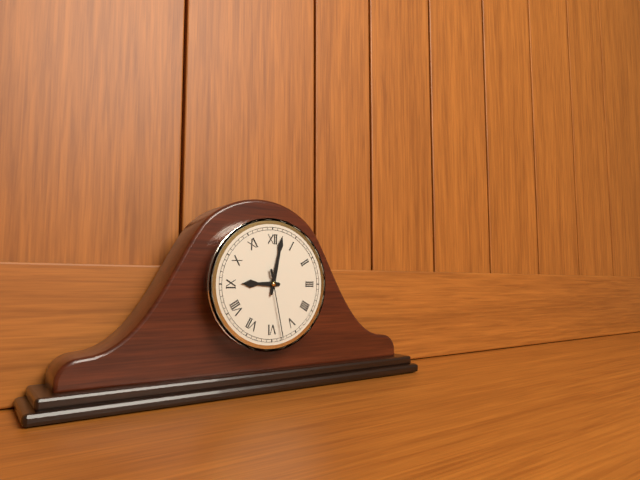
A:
9,02,28
